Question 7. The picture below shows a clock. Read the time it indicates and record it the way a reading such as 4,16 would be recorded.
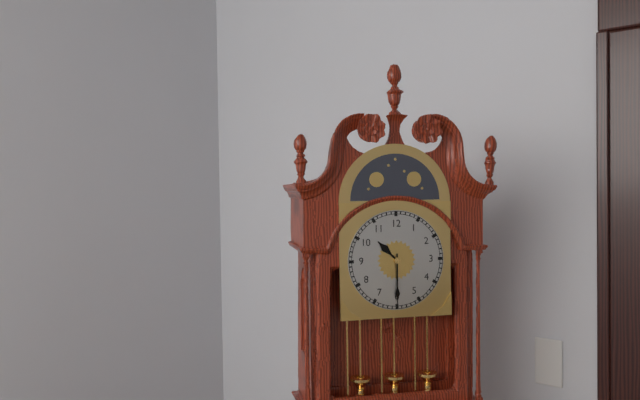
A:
10,30
